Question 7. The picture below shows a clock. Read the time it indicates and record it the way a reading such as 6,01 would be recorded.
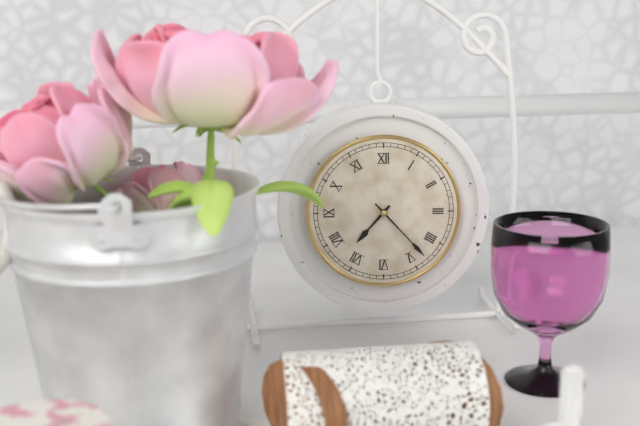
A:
7,23
